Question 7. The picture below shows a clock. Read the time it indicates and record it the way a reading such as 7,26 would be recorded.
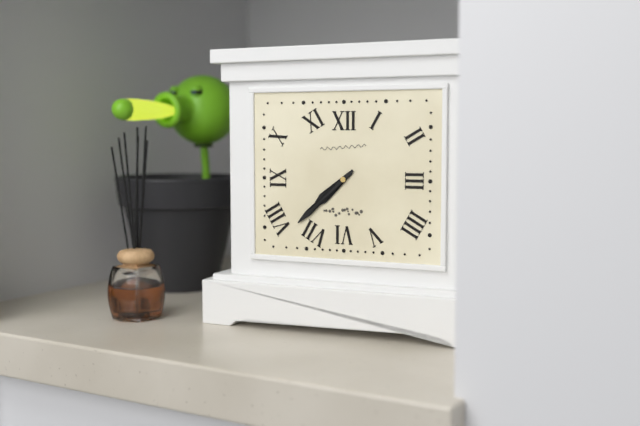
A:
7,38
